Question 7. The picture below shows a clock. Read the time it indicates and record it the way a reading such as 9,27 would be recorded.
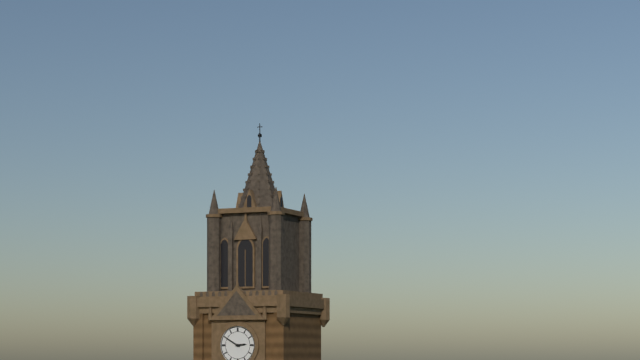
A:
2,50
